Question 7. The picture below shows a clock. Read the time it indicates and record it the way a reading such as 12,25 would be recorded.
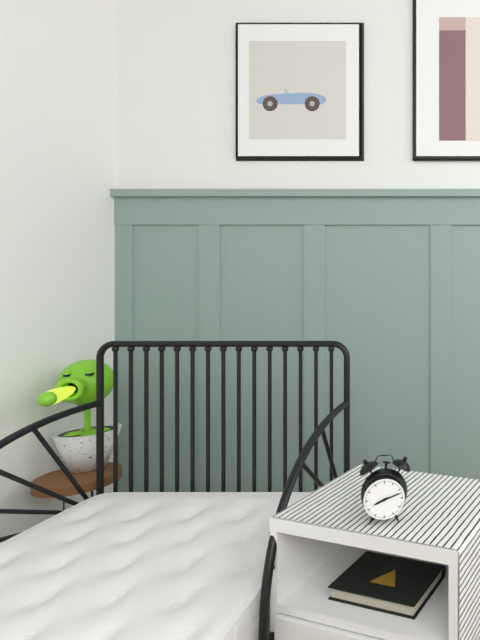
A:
8,12
